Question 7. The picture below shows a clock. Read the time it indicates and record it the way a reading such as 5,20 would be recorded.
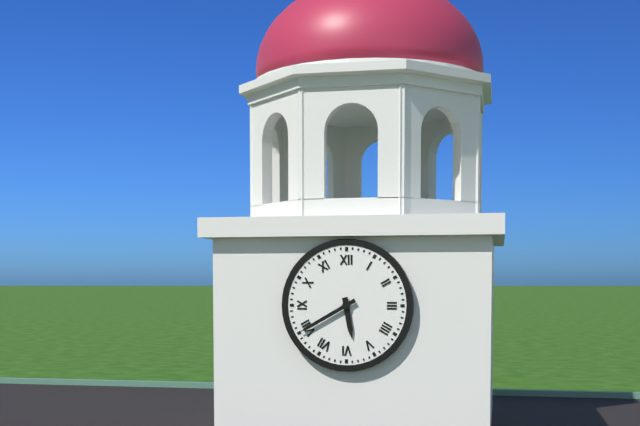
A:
5,40
